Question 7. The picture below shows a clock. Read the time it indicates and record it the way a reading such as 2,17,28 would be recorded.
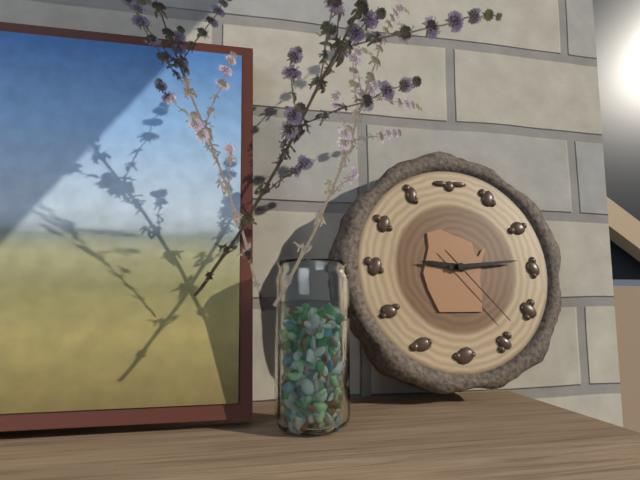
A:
9,14,23
